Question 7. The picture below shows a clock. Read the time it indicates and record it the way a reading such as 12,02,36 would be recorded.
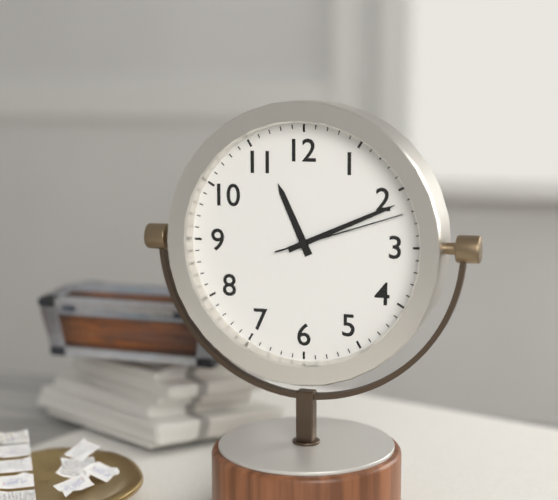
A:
11,11,12
